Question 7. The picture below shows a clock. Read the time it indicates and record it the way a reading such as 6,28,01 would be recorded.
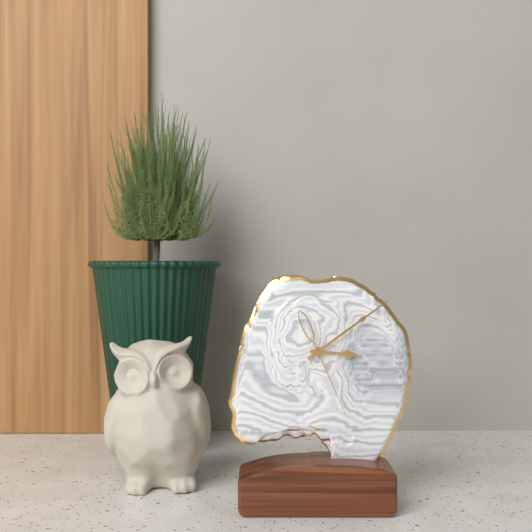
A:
3,09,26
